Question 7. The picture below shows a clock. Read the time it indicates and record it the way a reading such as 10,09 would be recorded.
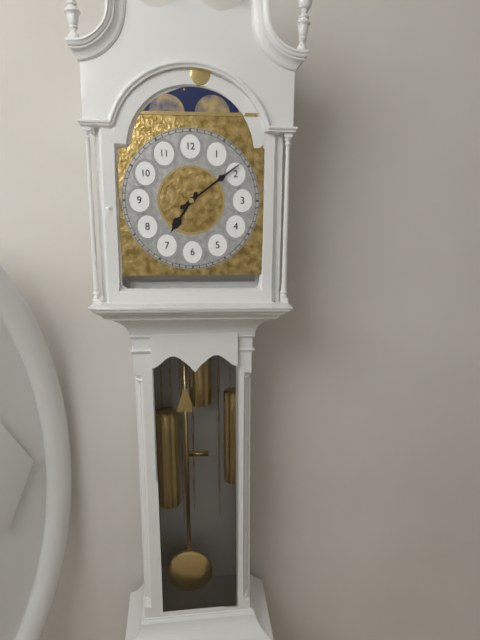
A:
7,09
